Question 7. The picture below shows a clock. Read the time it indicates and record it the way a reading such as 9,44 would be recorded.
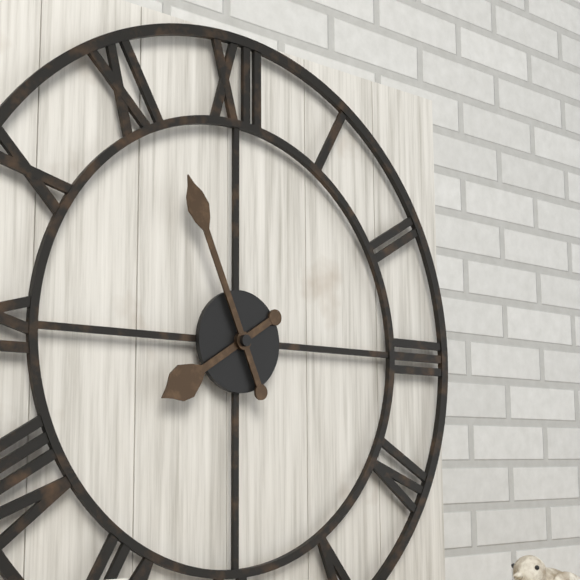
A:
7,56
